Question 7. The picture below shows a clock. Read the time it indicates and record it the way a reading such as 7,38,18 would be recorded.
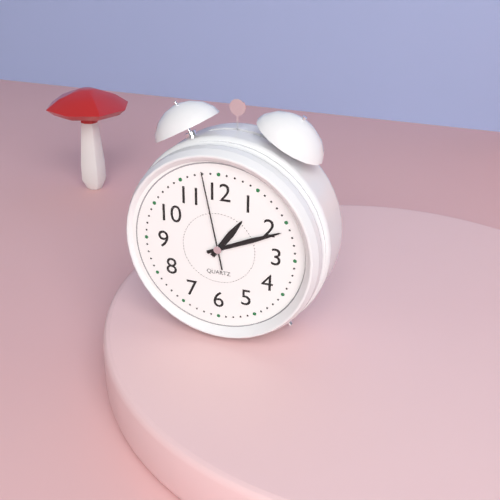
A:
1,11,58
